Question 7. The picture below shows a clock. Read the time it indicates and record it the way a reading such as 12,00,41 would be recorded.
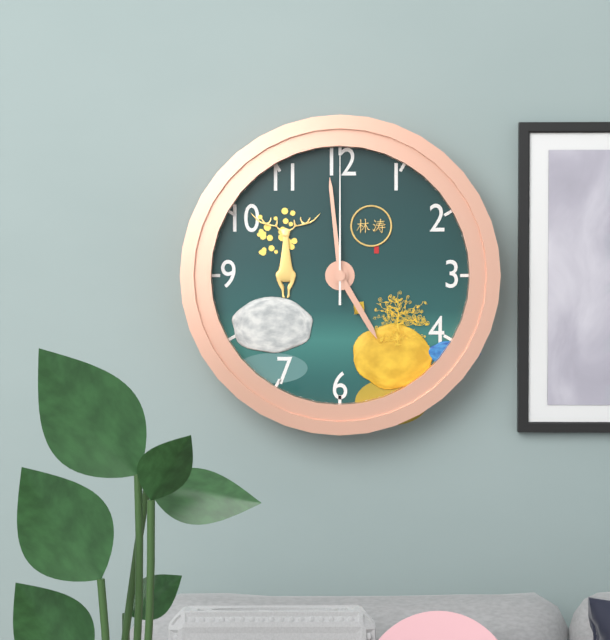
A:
4,59,00
